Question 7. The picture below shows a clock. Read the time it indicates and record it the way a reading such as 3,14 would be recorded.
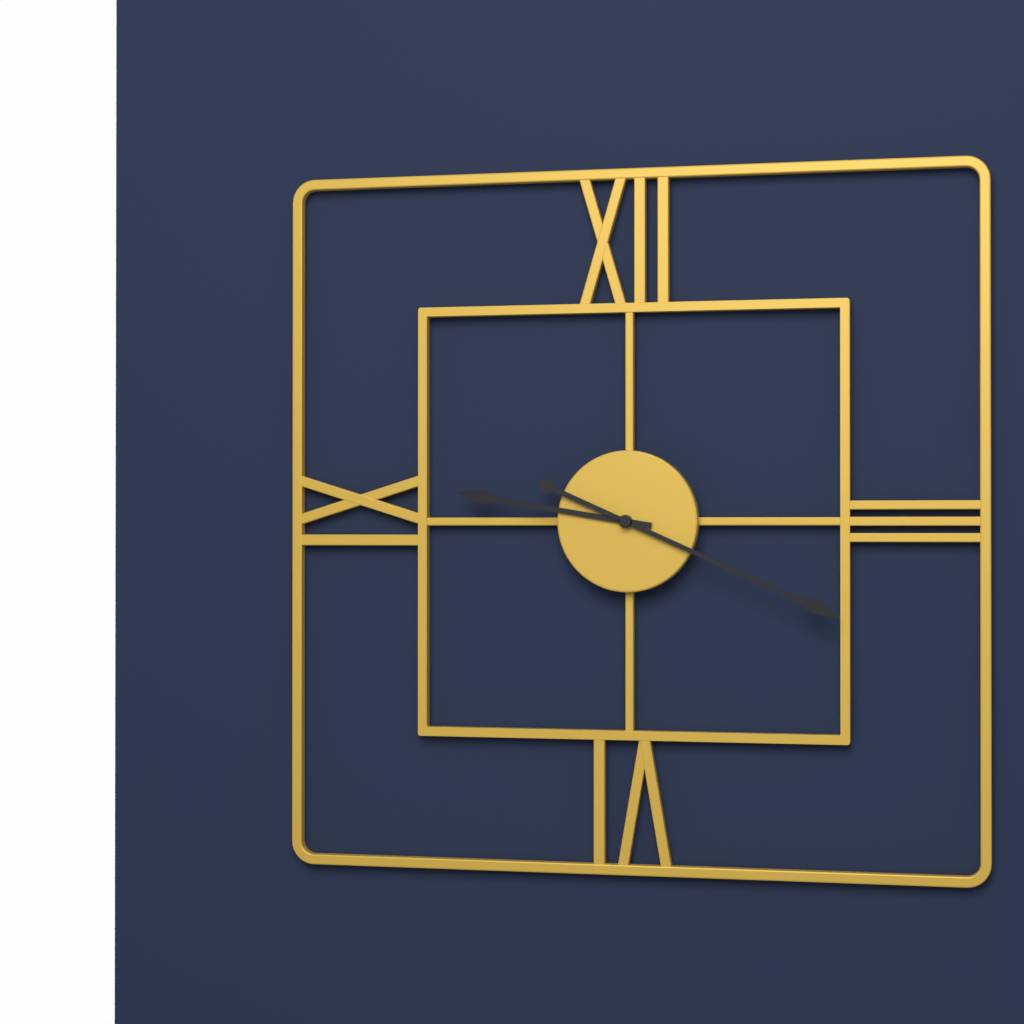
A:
9,19
